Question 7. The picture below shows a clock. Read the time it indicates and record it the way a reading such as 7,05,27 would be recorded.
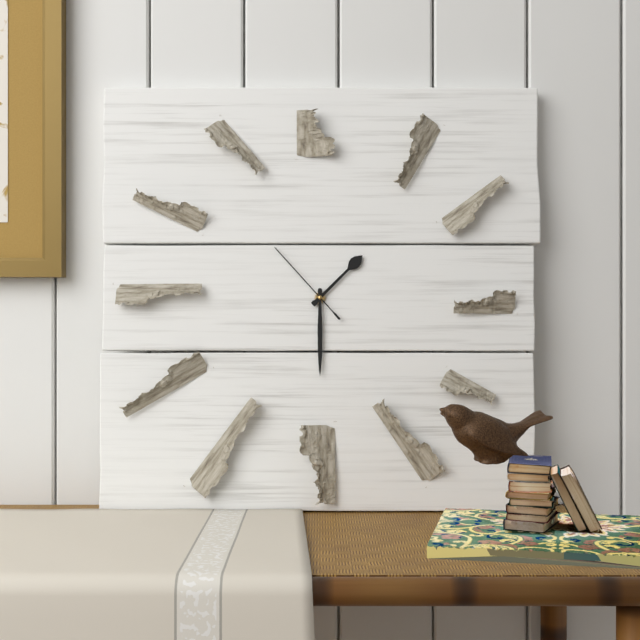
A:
1,30,53
